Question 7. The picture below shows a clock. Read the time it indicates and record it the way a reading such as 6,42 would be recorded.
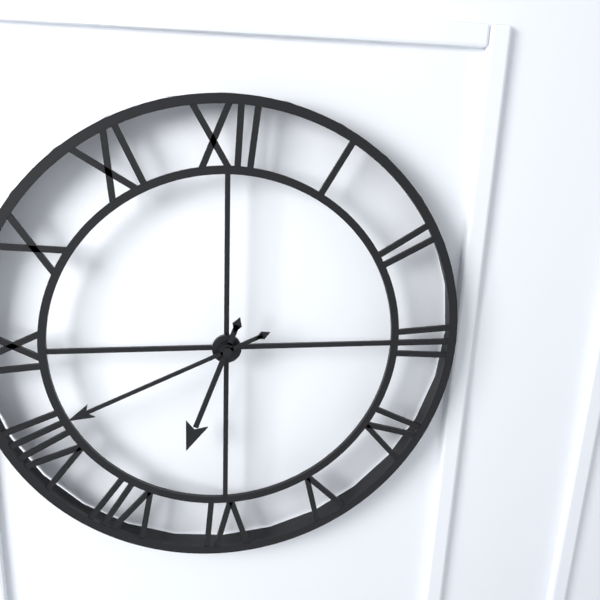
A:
6,41
